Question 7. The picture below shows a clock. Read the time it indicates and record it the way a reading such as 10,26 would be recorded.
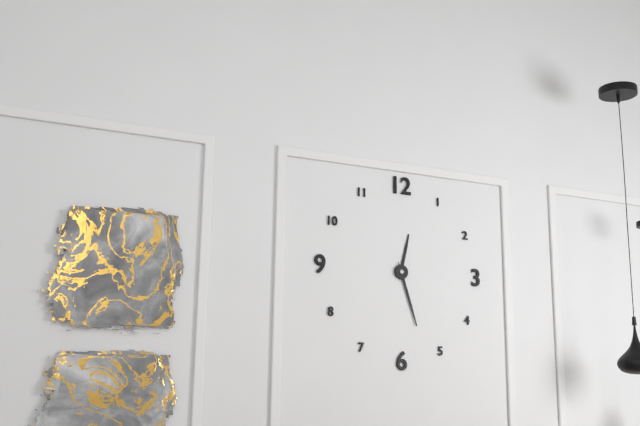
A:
12,27
